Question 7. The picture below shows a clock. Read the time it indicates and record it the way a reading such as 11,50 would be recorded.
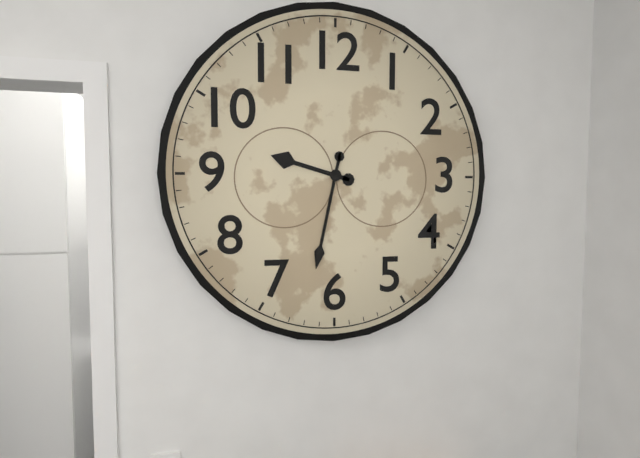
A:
9,32
